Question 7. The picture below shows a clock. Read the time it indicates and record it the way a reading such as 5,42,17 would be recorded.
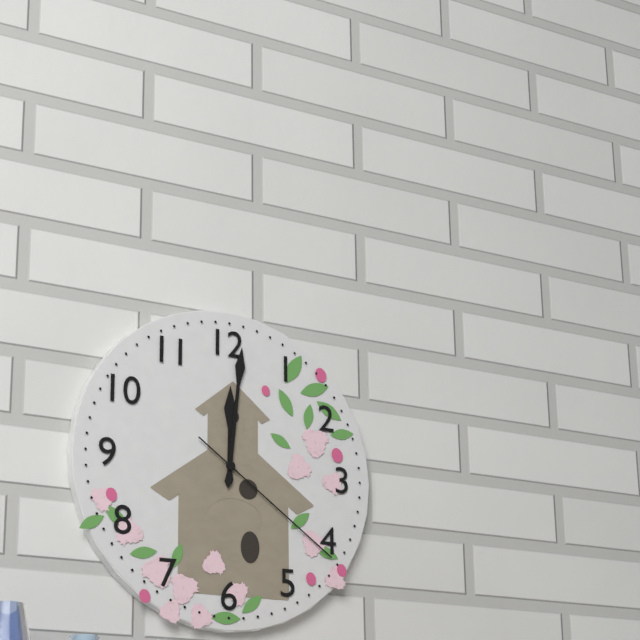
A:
12,01,21
